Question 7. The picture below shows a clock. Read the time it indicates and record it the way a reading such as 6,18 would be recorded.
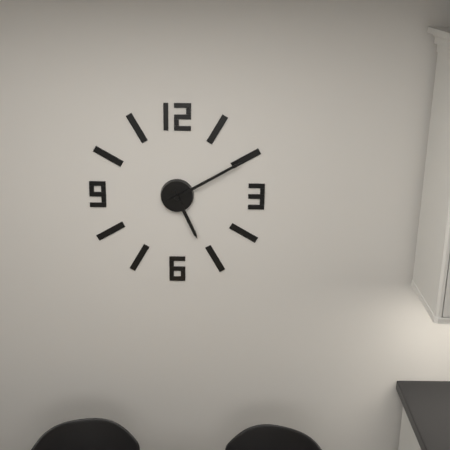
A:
5,10
